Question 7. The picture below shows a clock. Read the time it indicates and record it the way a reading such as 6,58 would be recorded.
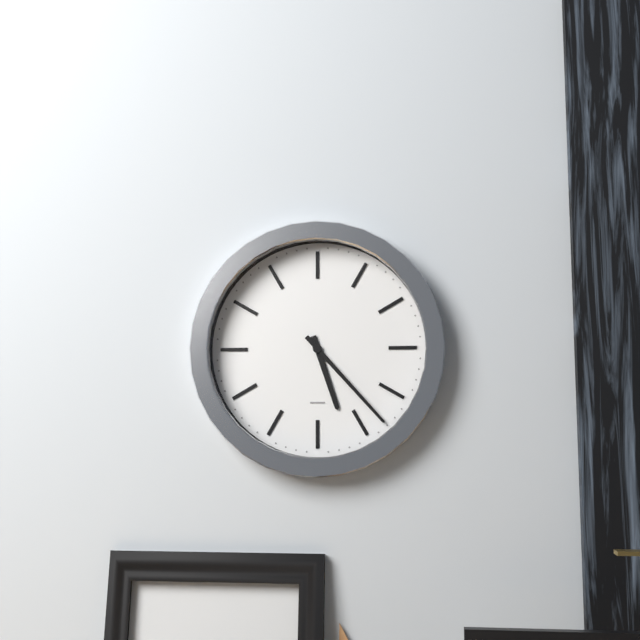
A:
5,23
